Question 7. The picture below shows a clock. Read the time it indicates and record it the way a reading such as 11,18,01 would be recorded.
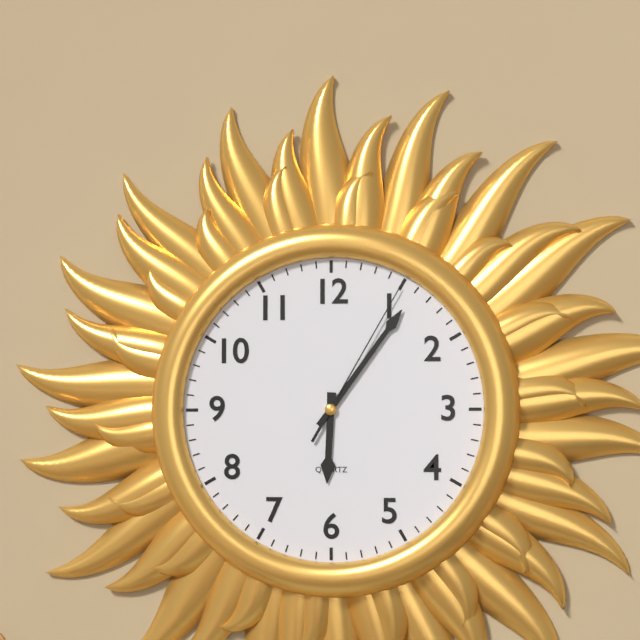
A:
6,06,05
